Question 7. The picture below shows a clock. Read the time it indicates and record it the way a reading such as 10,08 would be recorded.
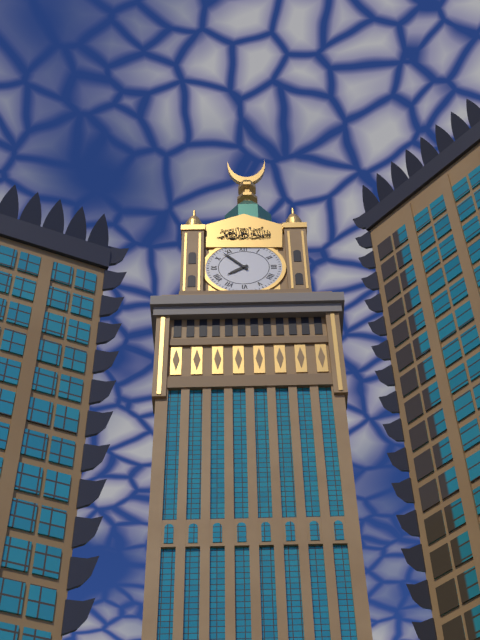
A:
7,53
